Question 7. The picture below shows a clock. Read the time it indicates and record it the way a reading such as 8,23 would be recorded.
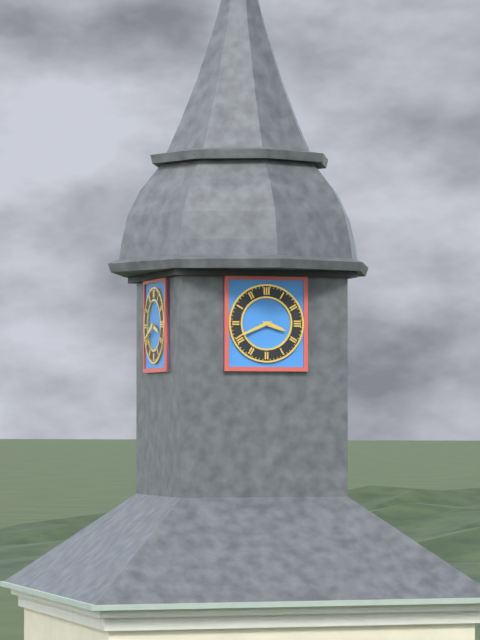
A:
3,41
